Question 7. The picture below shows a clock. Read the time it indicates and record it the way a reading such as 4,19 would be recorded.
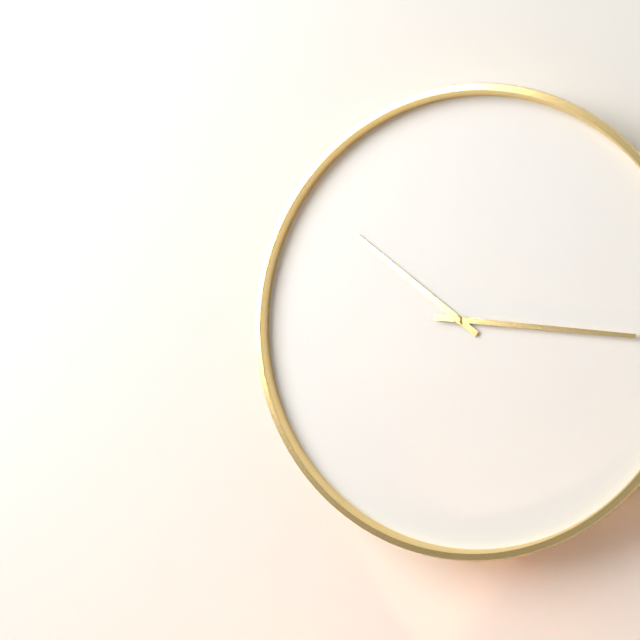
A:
10,16
